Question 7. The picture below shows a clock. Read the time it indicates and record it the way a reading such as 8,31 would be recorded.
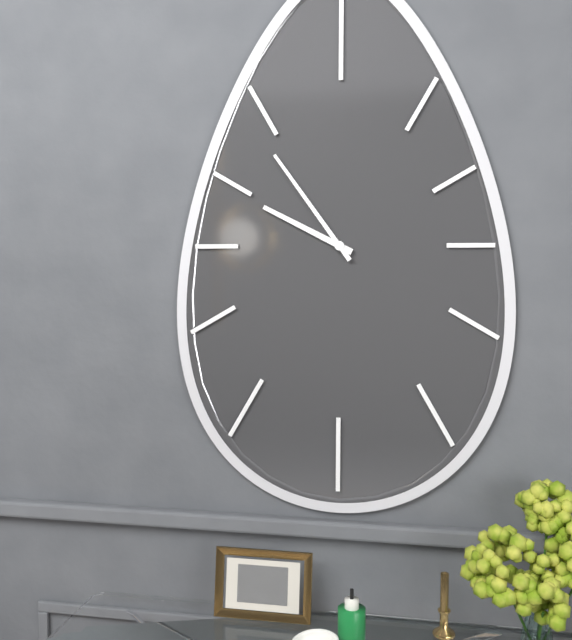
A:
9,54
